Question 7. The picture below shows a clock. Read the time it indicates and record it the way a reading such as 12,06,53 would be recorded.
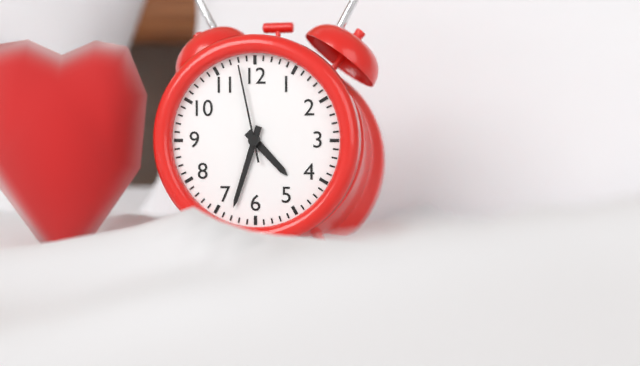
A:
4,33,58
